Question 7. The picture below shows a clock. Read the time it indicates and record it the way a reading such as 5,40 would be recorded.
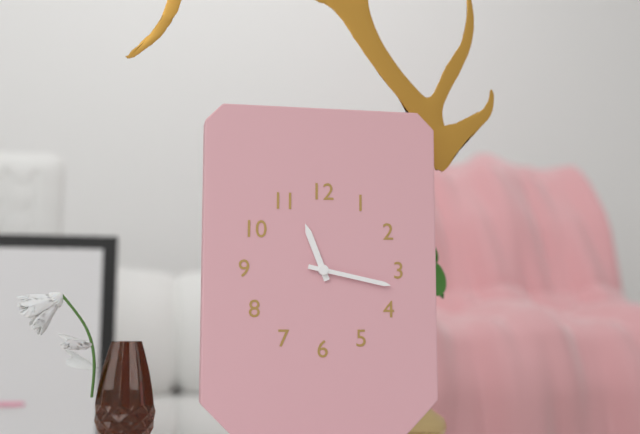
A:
11,17
